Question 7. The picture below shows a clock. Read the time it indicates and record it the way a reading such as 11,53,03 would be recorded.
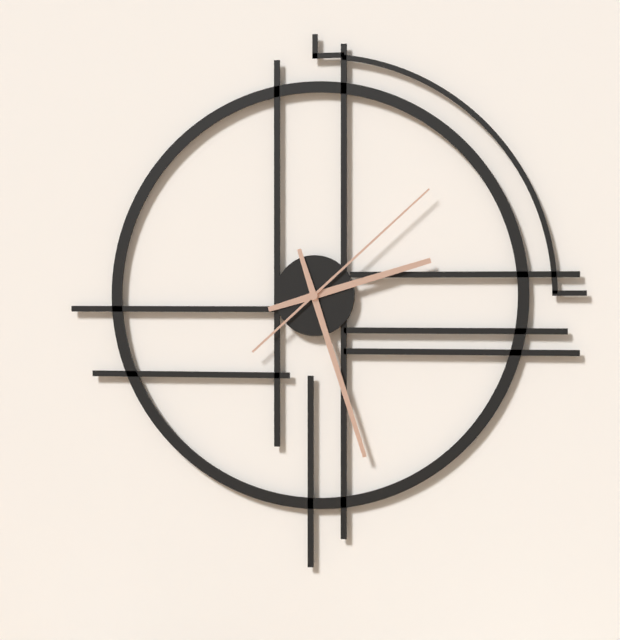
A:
2,27,08
